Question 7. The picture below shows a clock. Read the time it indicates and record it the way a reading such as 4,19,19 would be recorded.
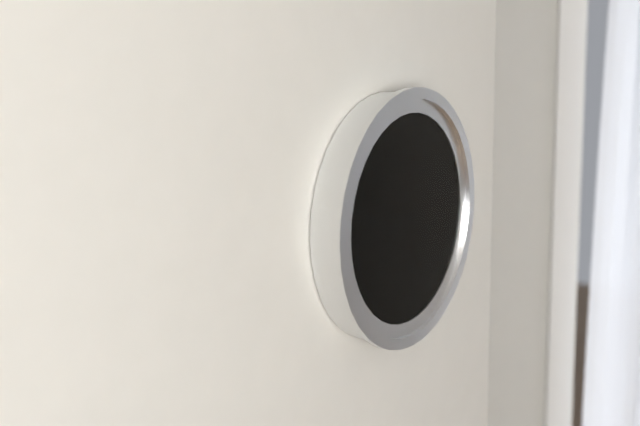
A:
3,41,56
